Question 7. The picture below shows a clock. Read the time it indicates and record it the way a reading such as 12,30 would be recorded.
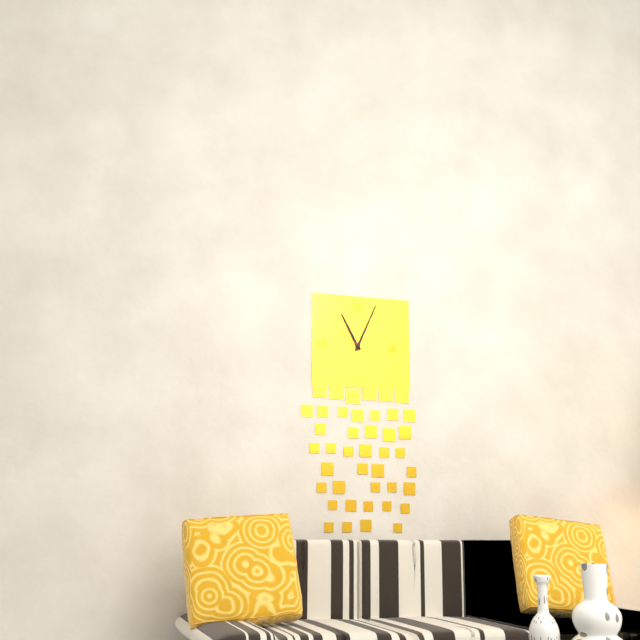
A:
11,04
